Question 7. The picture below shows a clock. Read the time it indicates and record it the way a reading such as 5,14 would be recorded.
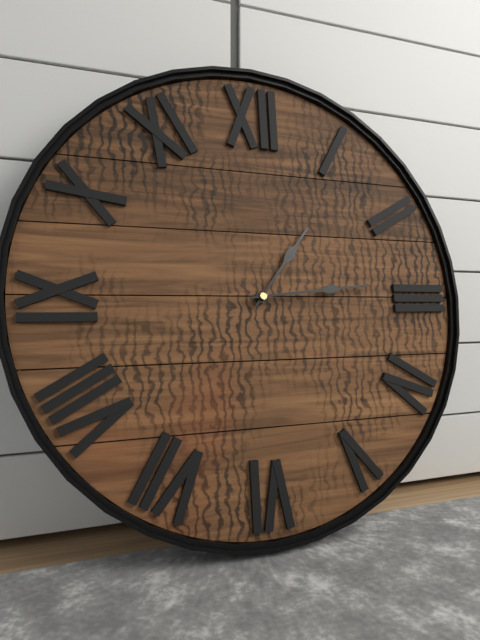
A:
1,14
